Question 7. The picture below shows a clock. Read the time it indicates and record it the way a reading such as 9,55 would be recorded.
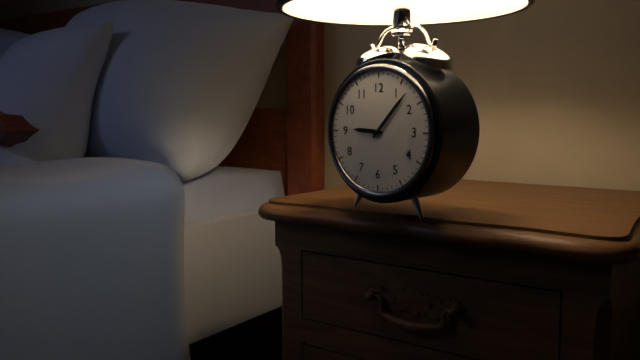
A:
9,07
